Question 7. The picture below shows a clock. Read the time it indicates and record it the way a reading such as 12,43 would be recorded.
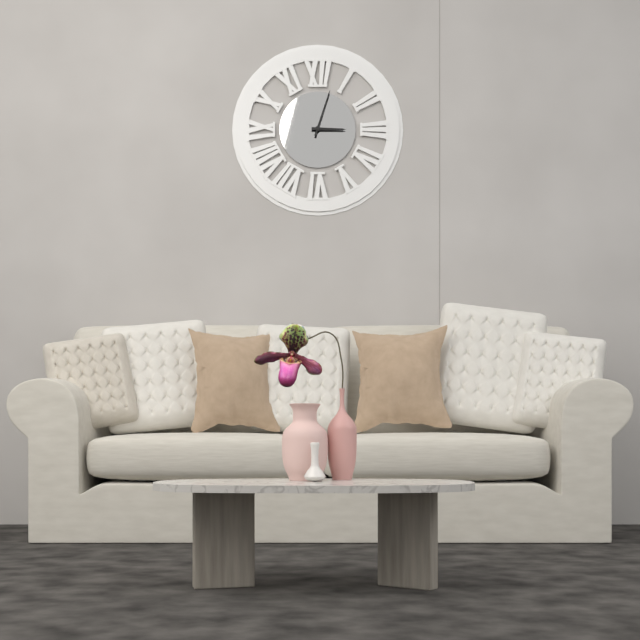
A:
3,03
